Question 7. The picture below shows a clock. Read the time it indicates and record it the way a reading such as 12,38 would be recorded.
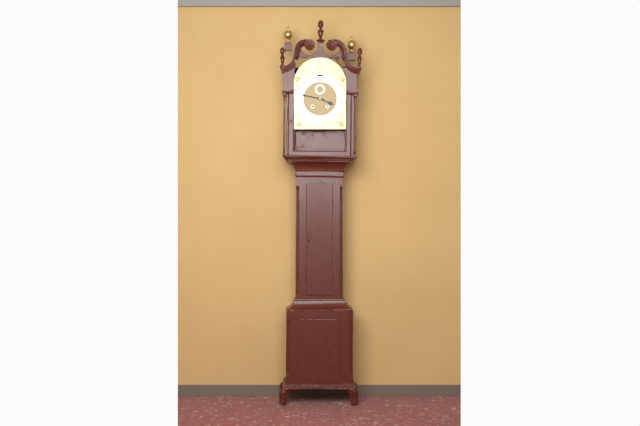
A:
3,47
